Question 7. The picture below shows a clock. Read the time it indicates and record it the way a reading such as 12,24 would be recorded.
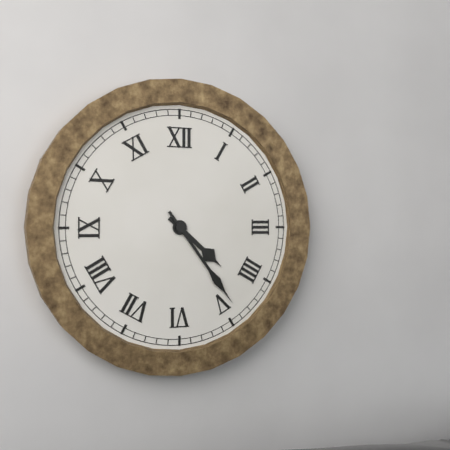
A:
4,24
